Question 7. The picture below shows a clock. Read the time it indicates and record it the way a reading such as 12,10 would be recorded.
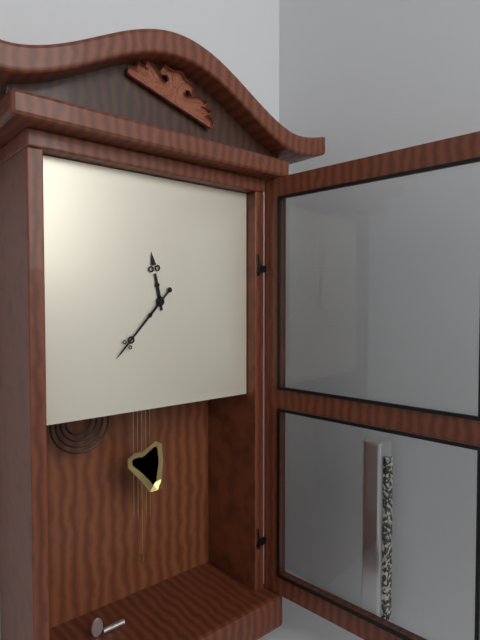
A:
11,37
